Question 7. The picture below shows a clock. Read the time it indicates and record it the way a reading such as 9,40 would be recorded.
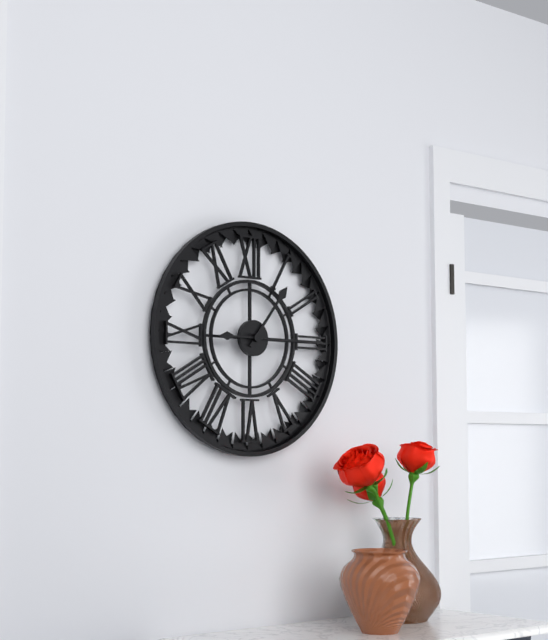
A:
1,15
